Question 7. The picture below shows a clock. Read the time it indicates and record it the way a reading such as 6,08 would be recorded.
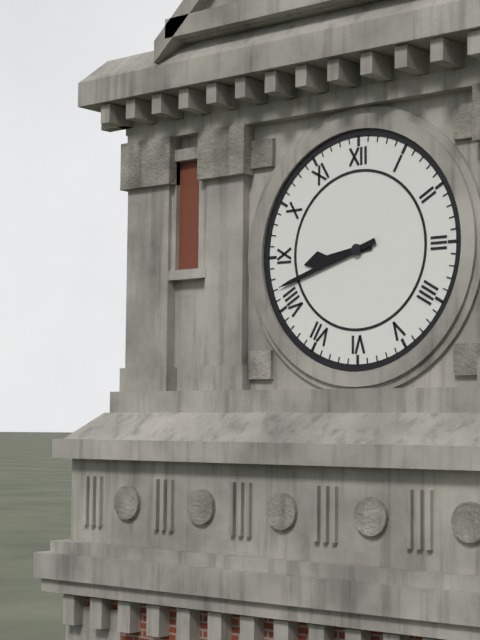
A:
8,42
